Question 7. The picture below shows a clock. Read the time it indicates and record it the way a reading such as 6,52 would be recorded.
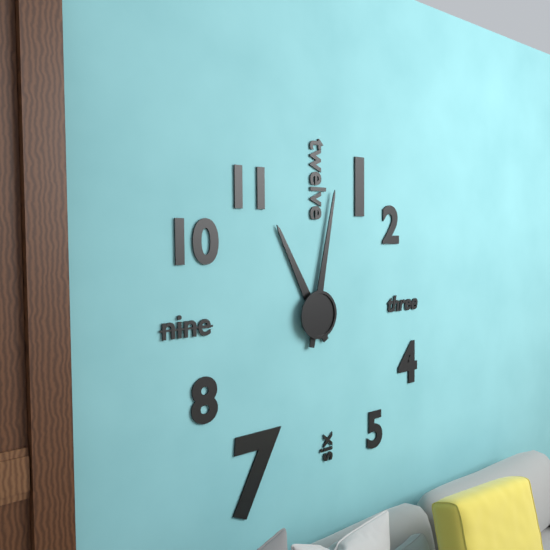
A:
11,02
